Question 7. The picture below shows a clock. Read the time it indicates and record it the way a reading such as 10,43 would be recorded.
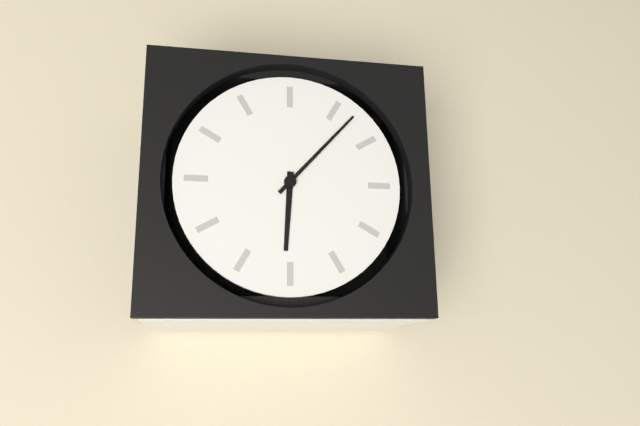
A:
6,07
